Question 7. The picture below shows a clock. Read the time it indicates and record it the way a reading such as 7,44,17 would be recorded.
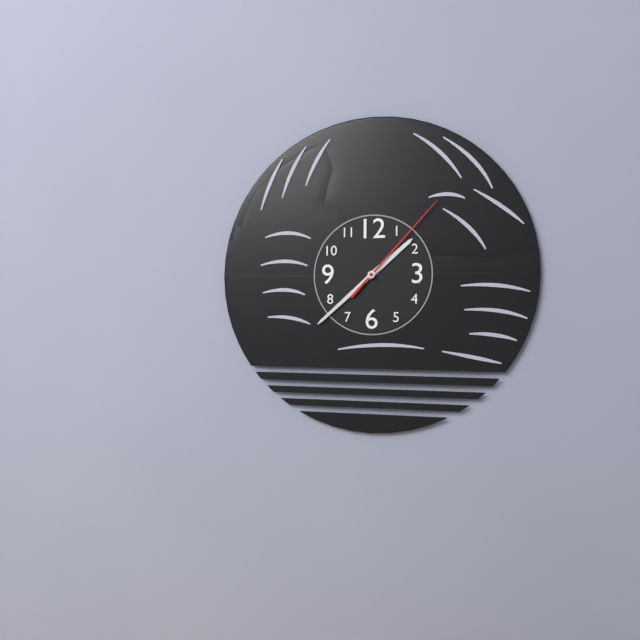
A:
1,38,07
